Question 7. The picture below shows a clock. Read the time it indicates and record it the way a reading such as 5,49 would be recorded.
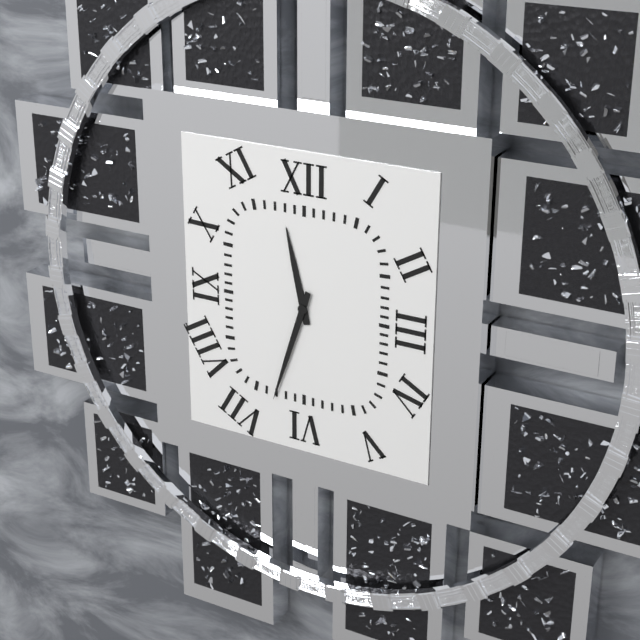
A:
11,33
